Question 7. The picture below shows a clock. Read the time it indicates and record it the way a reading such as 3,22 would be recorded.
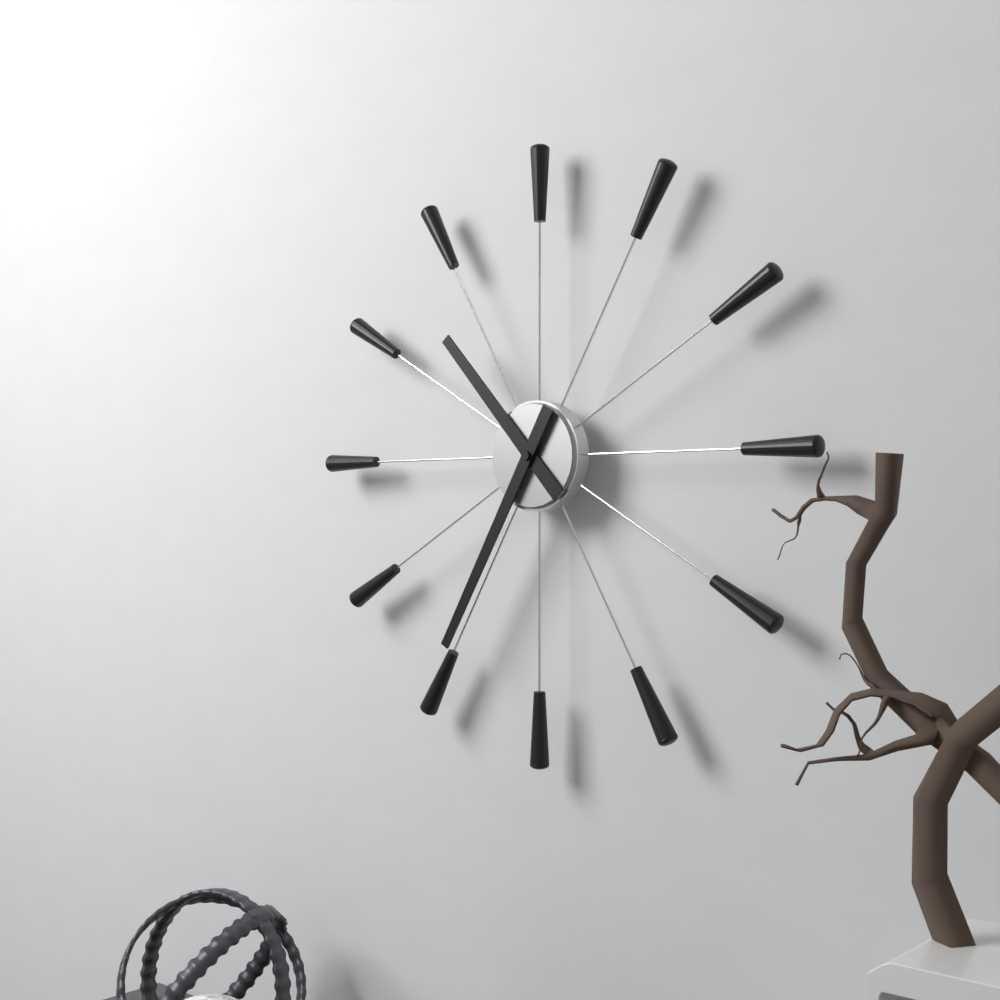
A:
10,35
